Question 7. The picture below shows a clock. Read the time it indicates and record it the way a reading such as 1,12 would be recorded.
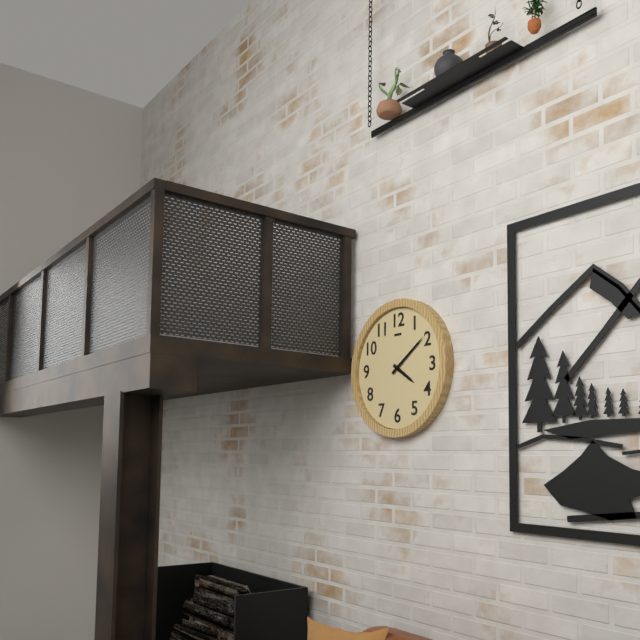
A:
4,09
